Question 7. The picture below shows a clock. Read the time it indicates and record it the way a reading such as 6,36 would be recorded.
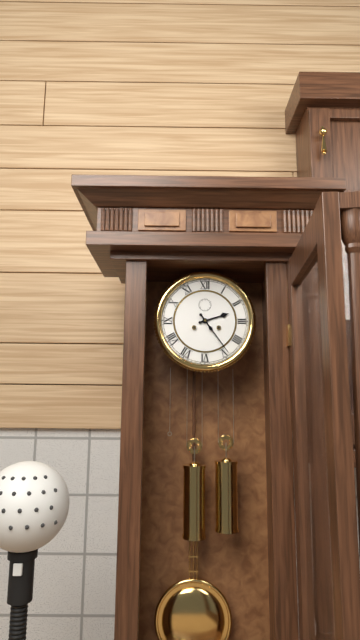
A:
2,24
